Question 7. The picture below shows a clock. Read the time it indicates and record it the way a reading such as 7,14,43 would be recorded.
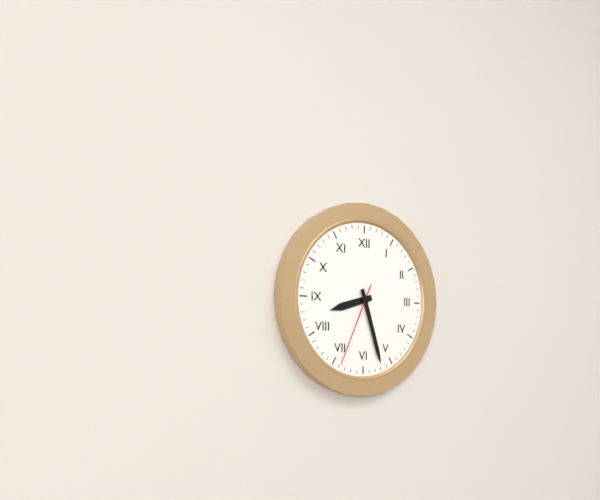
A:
8,27,34
